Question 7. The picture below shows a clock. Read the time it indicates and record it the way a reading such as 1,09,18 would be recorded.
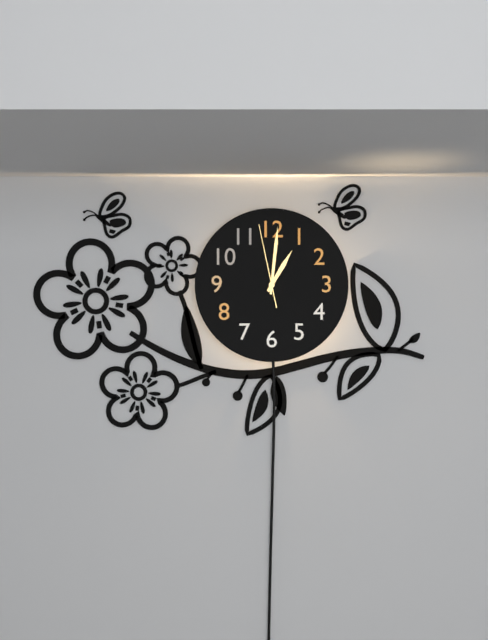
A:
1,01,58
